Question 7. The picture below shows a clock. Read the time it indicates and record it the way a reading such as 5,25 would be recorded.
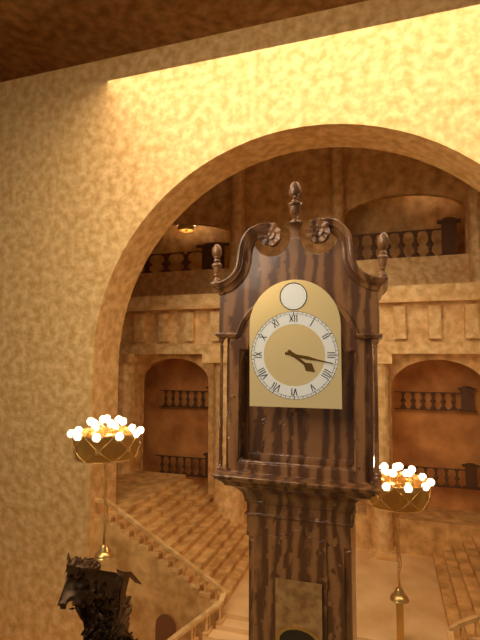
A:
4,17
